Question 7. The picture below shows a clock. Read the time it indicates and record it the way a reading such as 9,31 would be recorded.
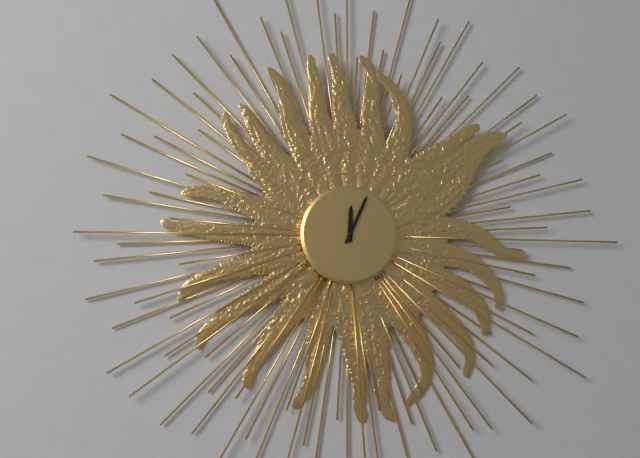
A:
12,04
